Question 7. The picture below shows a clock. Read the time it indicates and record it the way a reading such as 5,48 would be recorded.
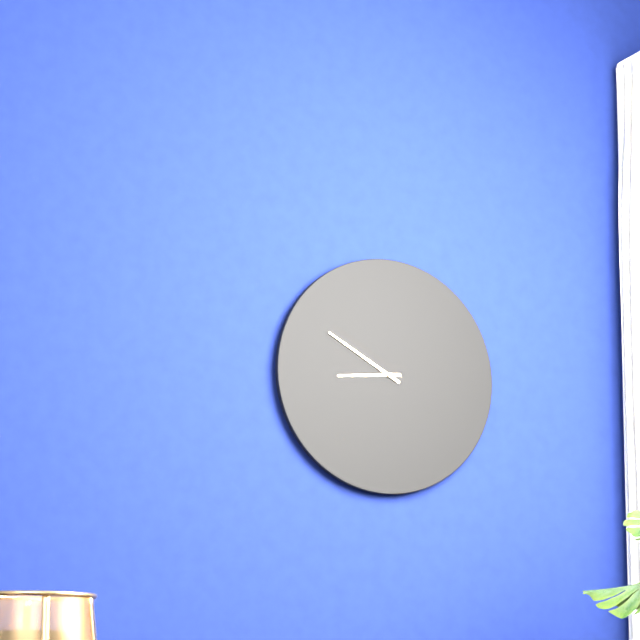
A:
8,50
